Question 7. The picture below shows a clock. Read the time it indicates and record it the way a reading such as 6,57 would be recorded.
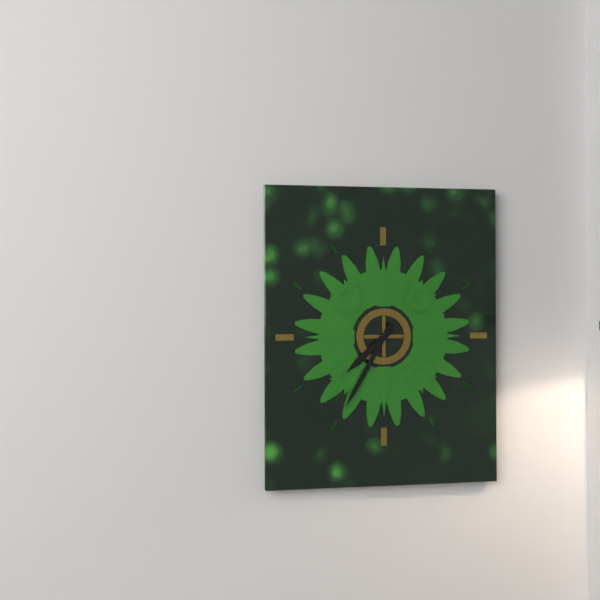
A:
7,35
